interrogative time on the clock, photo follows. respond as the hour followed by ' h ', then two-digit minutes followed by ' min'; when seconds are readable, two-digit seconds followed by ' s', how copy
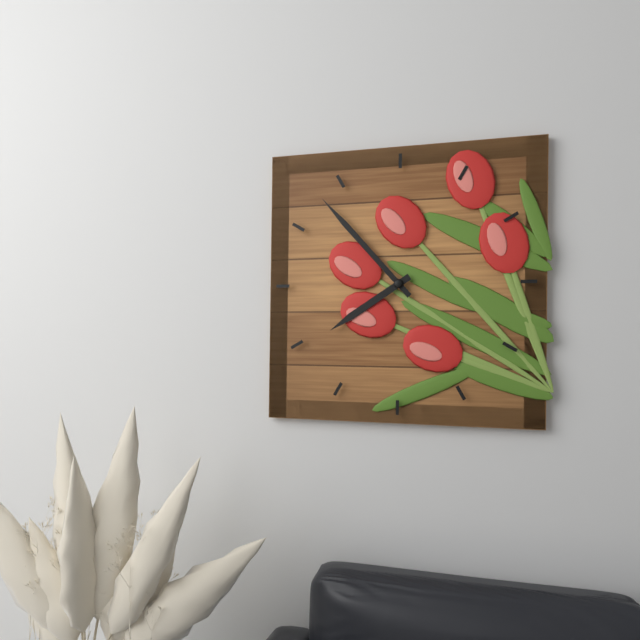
7 h 53 min
